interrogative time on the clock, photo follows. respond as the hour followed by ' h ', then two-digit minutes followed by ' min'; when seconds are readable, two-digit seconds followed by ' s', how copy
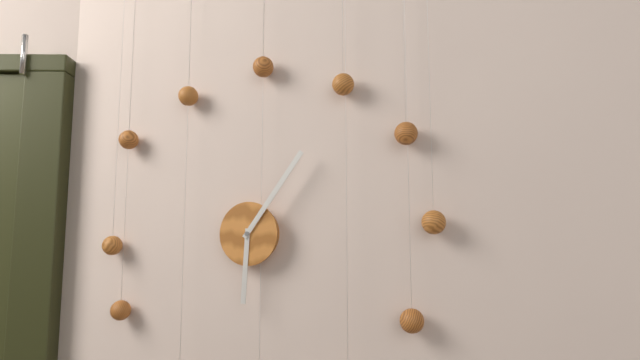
6 h 06 min
